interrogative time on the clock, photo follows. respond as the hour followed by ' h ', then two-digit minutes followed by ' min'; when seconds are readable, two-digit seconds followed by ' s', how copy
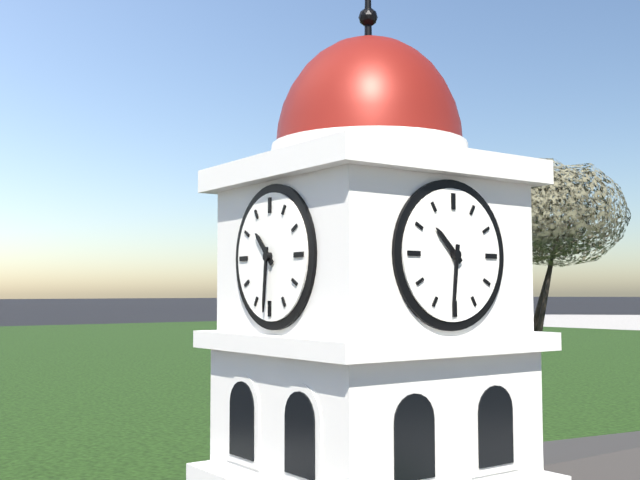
10 h 31 min
